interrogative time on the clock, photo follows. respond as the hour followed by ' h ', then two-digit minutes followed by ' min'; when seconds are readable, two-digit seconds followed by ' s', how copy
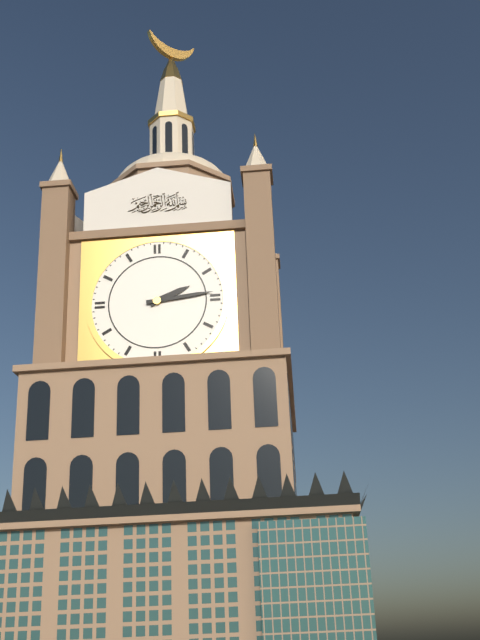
2 h 14 min
